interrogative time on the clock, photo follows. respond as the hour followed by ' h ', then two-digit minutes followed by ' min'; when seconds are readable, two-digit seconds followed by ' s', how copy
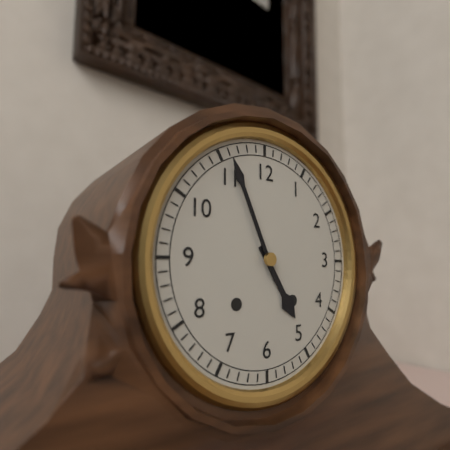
4 h 56 min
